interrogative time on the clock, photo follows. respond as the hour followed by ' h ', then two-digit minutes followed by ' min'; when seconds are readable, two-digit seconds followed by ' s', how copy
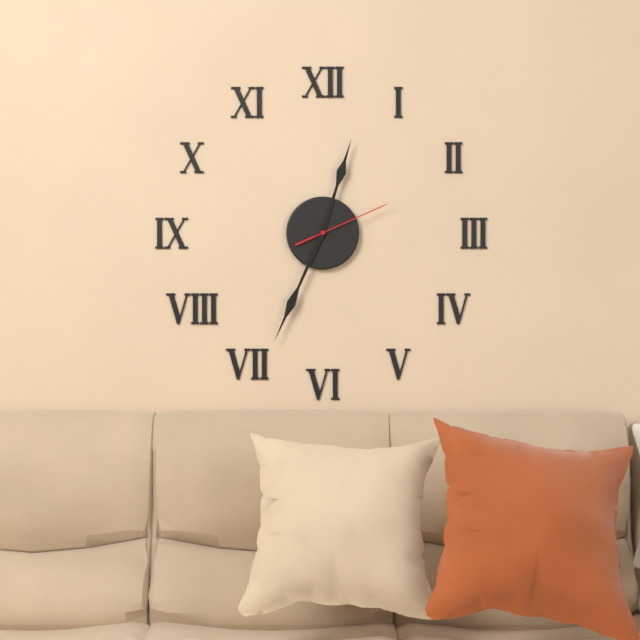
12 h 34 min 11 s
